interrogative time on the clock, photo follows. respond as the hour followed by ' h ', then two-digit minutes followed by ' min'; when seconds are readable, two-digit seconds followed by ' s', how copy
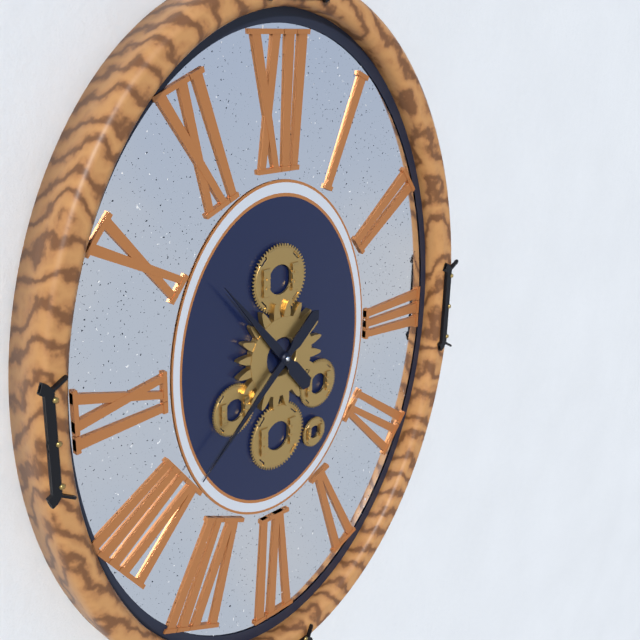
10 h 38 min
